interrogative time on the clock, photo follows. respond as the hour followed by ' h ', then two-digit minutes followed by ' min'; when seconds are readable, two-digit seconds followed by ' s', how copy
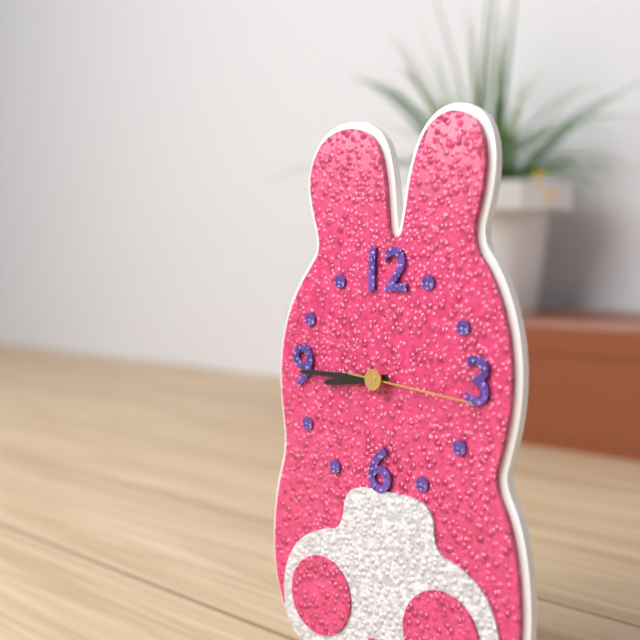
8 h 45 min 16 s
